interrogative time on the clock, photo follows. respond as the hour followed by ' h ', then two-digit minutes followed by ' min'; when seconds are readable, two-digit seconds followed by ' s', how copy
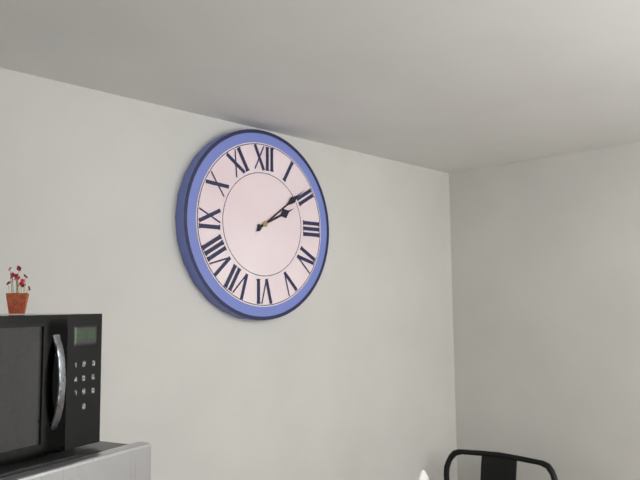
2 h 09 min
